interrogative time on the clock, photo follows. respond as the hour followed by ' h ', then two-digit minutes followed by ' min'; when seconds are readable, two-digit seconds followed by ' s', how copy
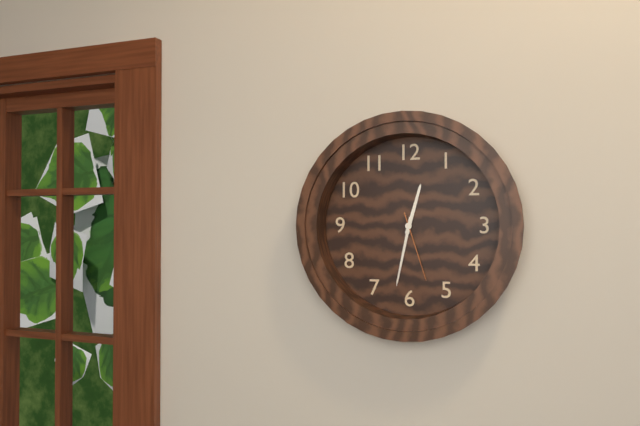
12 h 32 min 27 s
